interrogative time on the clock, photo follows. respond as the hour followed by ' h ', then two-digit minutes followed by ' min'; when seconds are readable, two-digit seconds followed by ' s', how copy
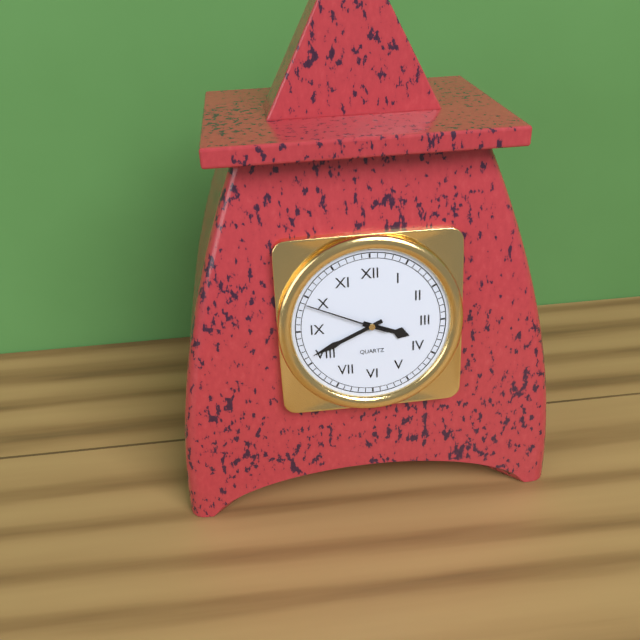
3 h 41 min 49 s
